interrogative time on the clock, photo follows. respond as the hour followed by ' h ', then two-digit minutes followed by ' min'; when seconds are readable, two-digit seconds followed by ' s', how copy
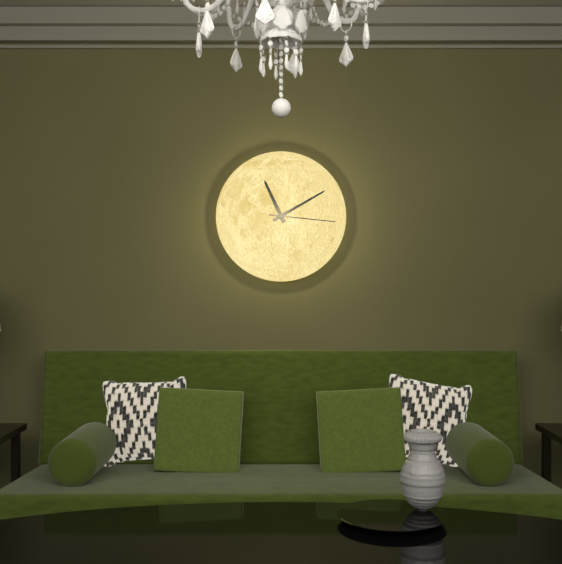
11 h 10 min 16 s
